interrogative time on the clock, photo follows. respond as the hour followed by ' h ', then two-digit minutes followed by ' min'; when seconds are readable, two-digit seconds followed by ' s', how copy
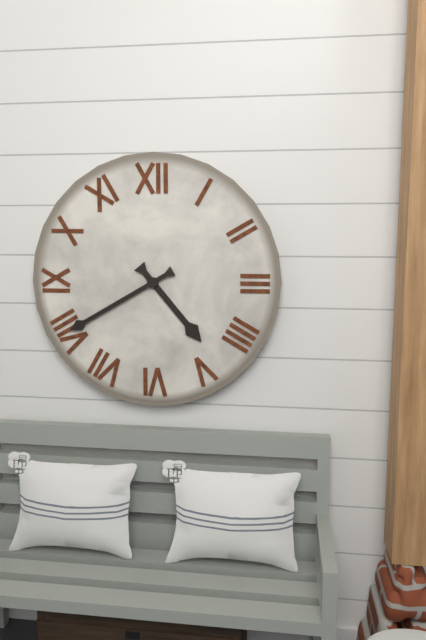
4 h 40 min
